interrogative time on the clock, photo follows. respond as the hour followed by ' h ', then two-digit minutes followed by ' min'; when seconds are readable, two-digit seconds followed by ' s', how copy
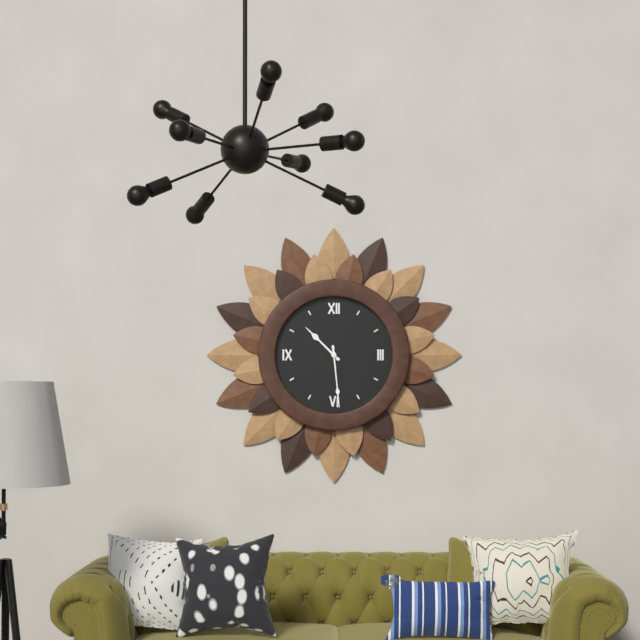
10 h 29 min
